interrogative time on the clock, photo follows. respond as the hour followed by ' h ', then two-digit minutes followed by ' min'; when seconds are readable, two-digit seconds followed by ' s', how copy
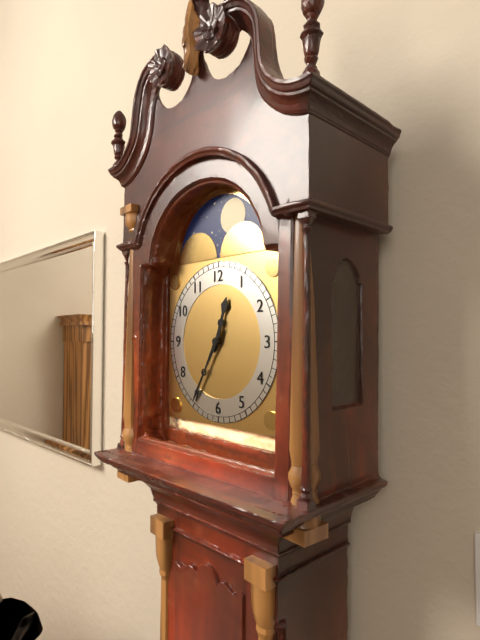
12 h 35 min
